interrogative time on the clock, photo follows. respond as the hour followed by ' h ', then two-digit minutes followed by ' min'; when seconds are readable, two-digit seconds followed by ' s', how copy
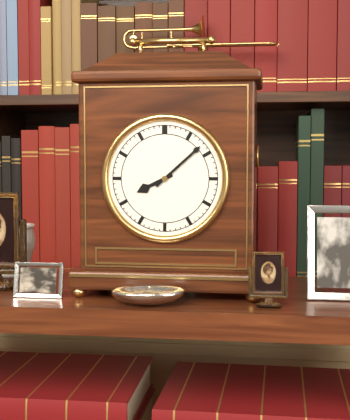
8 h 08 min
